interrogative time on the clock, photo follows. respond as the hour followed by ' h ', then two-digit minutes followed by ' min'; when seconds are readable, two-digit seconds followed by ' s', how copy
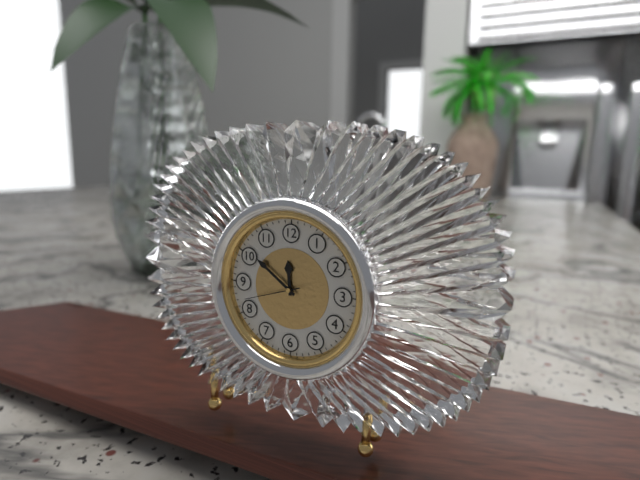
11 h 51 min 42 s
